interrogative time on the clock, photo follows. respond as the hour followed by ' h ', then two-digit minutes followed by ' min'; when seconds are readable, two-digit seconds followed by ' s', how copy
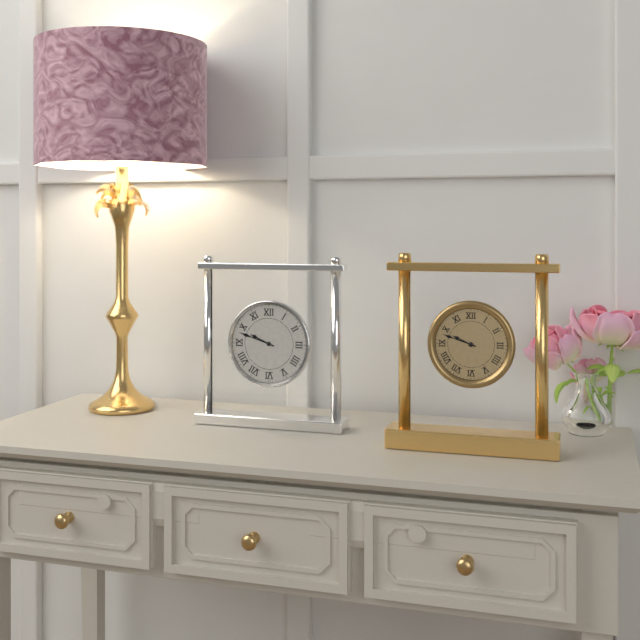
9 h 48 min
